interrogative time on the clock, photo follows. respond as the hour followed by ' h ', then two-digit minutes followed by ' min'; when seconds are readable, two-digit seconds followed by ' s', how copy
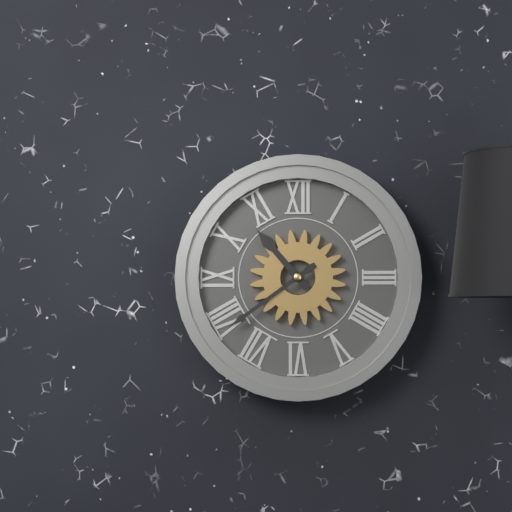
10 h 39 min
